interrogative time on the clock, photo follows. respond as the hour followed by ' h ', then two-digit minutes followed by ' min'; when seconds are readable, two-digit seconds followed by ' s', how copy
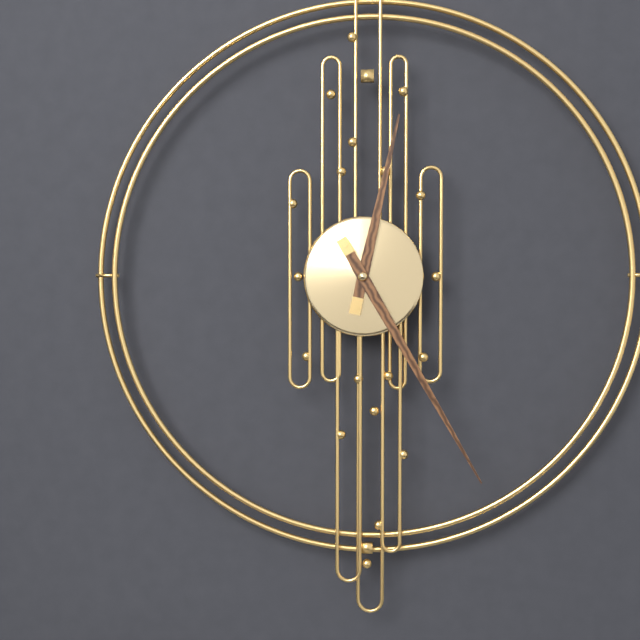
12 h 25 min
